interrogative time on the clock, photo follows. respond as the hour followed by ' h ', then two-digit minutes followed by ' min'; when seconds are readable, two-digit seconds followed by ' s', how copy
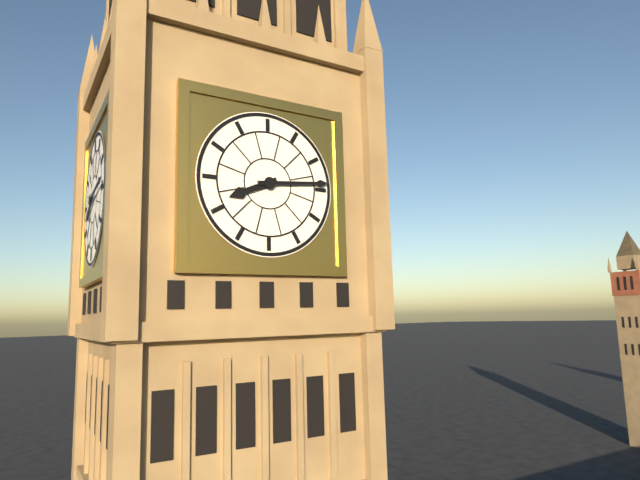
8 h 14 min
